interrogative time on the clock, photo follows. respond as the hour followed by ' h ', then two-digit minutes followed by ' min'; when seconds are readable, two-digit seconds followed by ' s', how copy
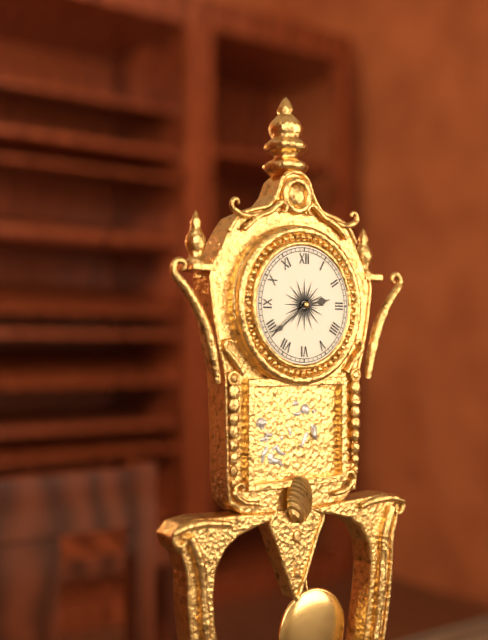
2 h 39 min
